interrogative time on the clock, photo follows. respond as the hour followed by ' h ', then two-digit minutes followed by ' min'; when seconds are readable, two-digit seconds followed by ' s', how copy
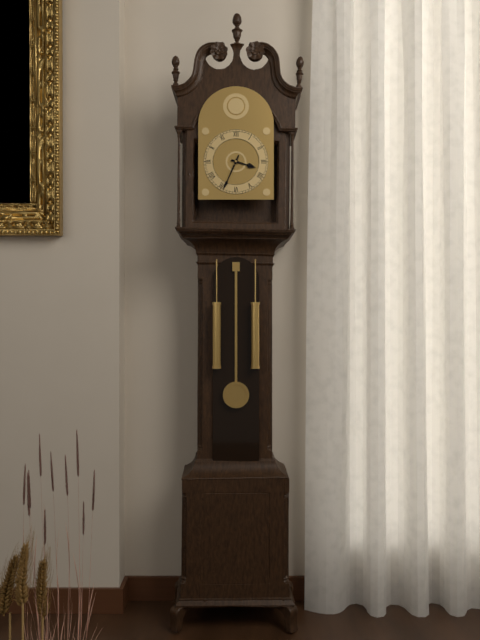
3 h 34 min
